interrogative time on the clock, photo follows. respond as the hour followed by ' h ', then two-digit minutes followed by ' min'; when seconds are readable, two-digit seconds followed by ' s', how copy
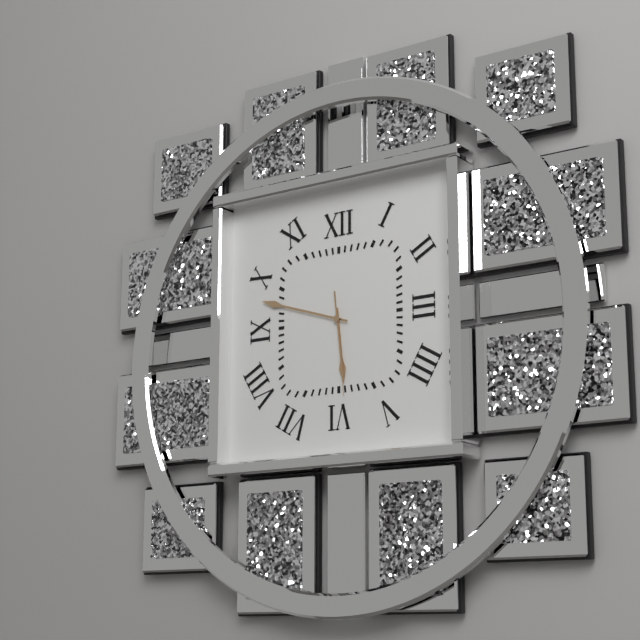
5 h 48 min 29 s
